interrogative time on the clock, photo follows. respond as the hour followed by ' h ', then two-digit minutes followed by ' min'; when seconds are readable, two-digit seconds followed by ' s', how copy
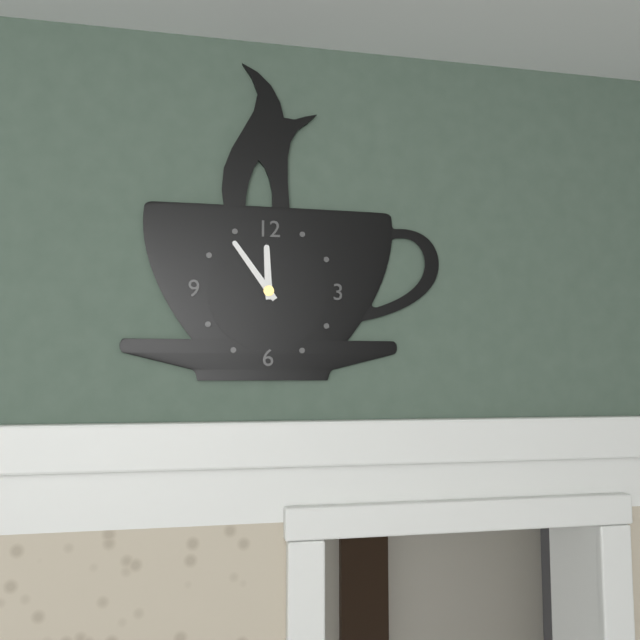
11 h 54 min
